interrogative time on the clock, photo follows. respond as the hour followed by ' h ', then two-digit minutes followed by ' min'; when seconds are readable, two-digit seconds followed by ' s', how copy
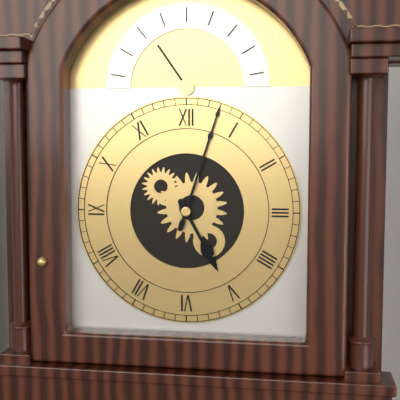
5 h 03 min
